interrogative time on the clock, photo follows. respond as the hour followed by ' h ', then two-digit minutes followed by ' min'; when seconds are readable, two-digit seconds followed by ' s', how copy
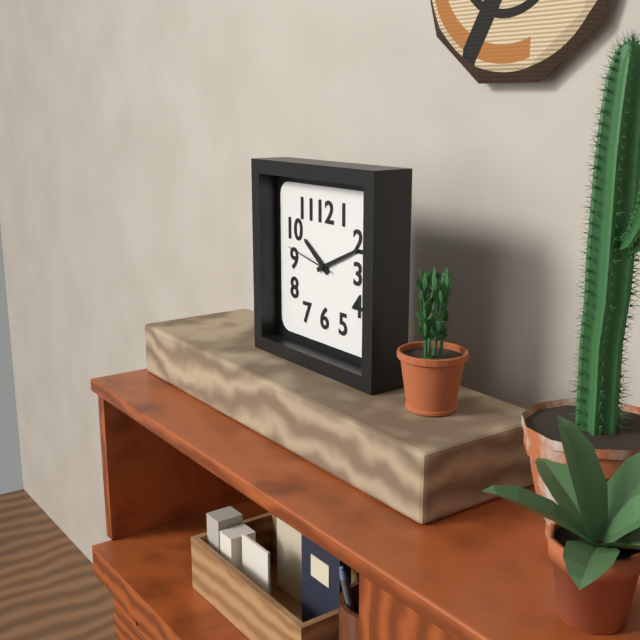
10 h 11 min 47 s
